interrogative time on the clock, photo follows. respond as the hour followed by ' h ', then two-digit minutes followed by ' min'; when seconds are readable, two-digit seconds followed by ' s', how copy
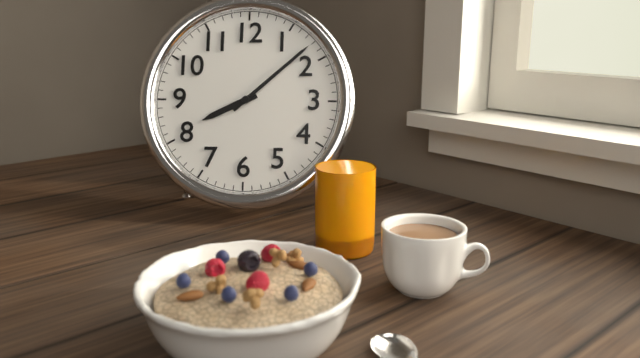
8 h 08 min
